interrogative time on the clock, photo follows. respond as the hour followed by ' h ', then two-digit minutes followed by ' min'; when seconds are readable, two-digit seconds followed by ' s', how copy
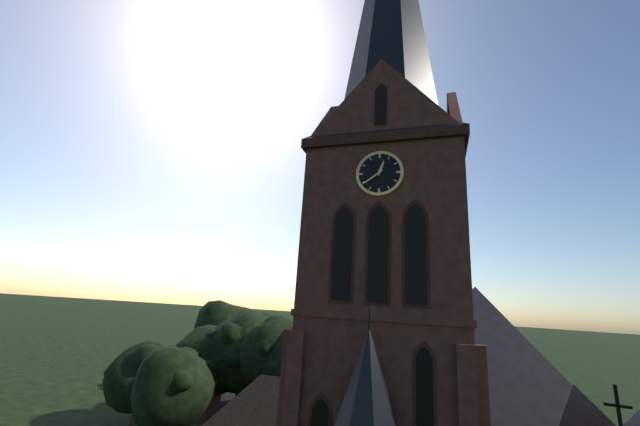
12 h 39 min
